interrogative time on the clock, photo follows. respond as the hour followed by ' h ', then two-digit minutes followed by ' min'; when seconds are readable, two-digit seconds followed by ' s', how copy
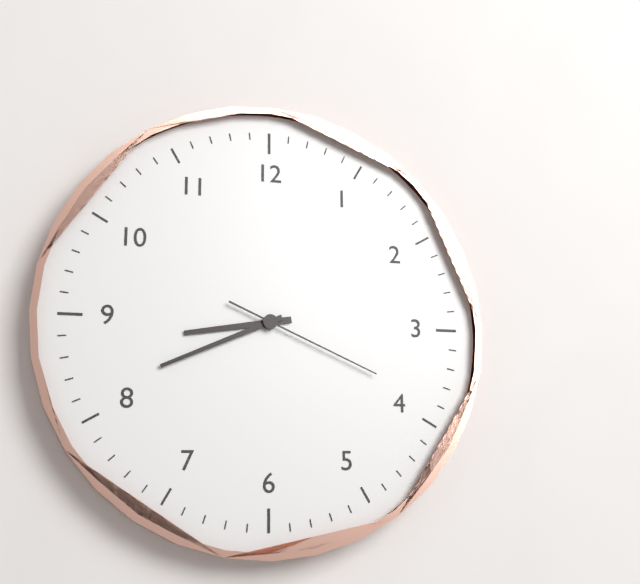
8 h 41 min 19 s
